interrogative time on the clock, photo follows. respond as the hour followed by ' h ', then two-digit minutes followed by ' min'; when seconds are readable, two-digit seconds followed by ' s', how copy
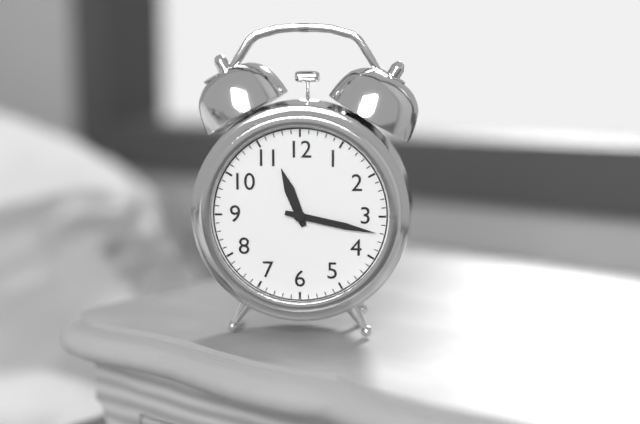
11 h 17 min
